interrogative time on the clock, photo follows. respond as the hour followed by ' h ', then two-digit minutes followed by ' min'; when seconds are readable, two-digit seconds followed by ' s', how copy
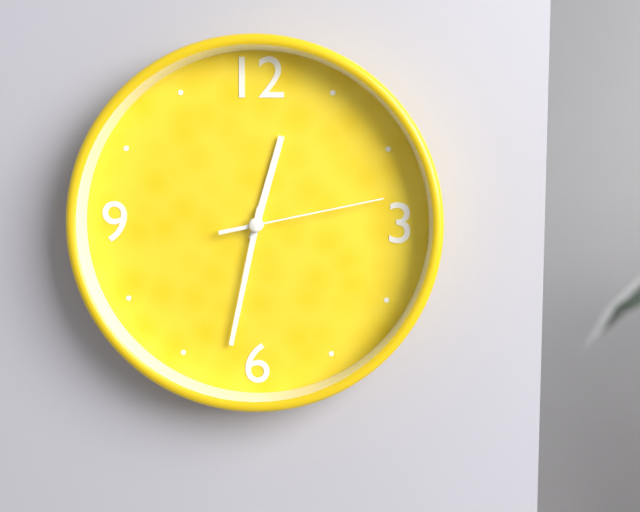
12 h 32 min 13 s
